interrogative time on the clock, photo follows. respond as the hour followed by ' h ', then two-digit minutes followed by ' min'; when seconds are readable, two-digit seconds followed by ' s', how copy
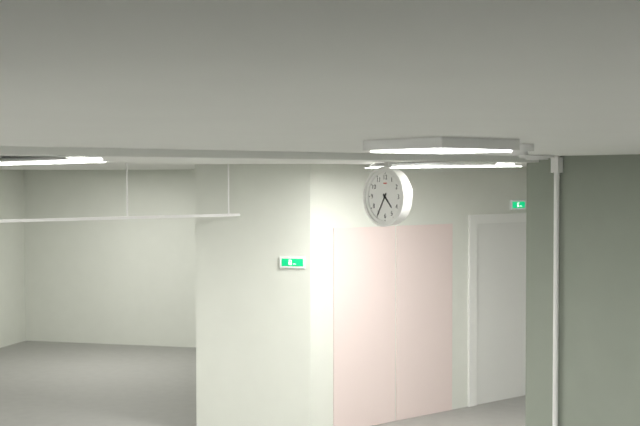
4 h 35 min
